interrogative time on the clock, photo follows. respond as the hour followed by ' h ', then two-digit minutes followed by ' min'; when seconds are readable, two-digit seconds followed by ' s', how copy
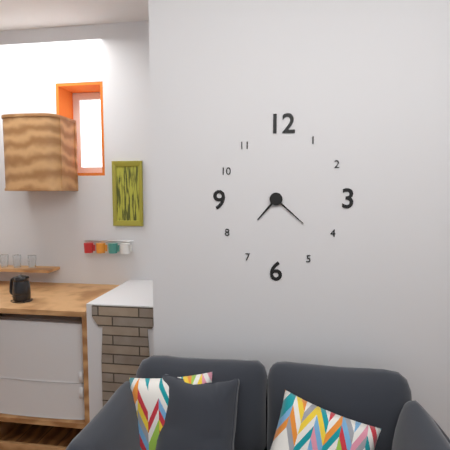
7 h 22 min
